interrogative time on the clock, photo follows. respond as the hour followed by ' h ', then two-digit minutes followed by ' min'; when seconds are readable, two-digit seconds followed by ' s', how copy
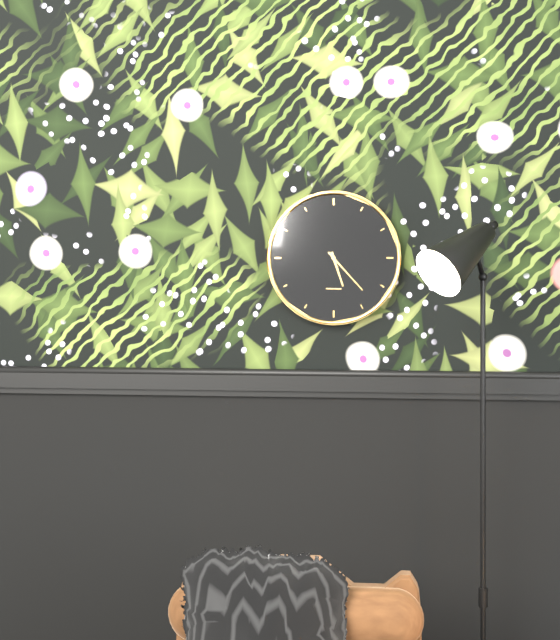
5 h 23 min
